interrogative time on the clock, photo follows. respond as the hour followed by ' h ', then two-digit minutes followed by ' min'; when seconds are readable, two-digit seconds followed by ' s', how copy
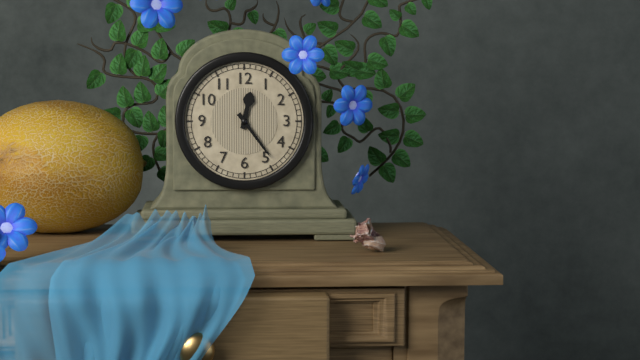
12 h 24 min
